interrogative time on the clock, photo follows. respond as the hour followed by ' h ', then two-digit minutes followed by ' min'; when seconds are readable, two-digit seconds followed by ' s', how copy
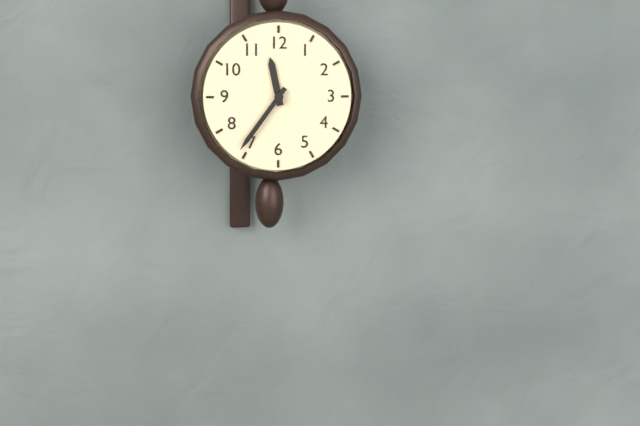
11 h 36 min
